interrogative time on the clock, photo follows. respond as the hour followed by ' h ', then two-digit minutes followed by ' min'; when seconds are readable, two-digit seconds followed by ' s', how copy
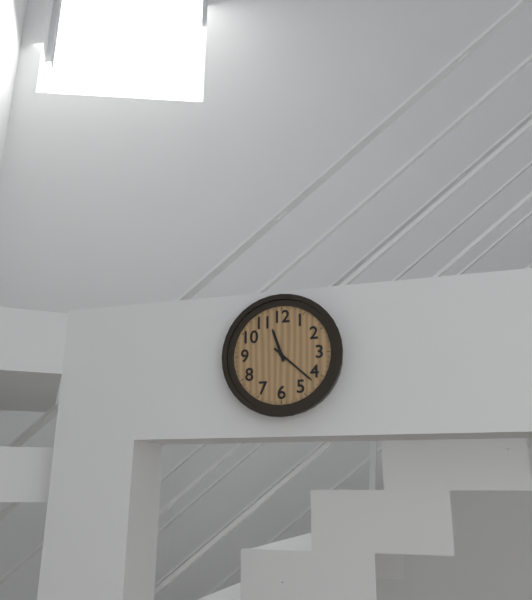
11 h 22 min
